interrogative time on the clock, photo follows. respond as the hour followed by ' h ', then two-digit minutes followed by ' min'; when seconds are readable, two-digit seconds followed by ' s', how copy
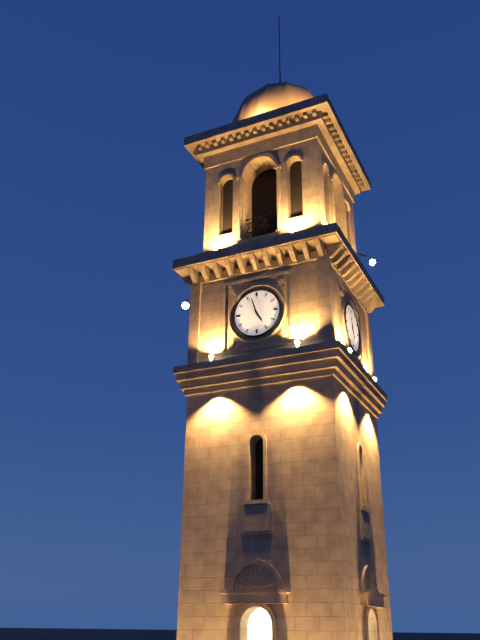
4 h 57 min
